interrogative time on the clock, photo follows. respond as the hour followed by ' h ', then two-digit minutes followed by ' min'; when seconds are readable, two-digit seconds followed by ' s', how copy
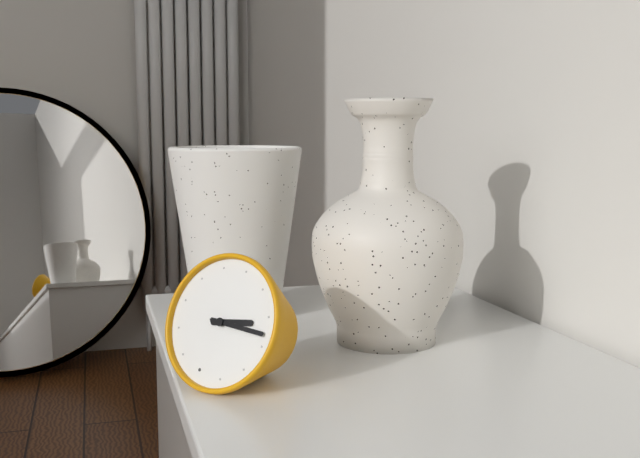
2 h 13 min
